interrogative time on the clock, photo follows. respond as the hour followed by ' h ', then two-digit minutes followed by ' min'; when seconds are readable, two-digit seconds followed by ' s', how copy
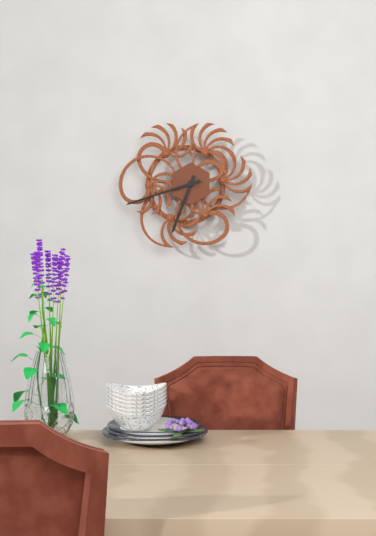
6 h 42 min
